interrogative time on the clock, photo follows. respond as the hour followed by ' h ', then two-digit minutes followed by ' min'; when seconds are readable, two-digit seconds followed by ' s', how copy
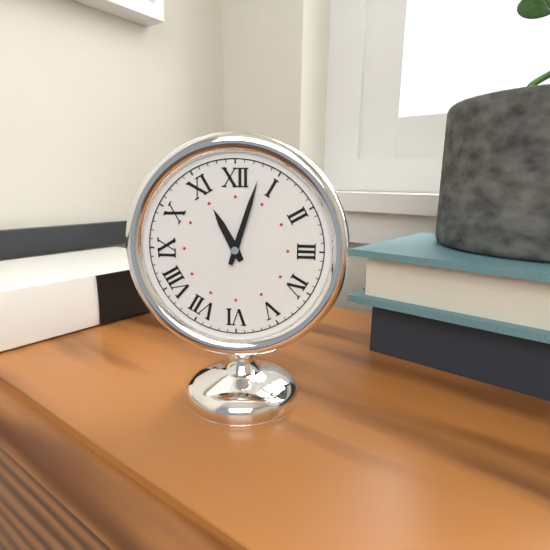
11 h 03 min
